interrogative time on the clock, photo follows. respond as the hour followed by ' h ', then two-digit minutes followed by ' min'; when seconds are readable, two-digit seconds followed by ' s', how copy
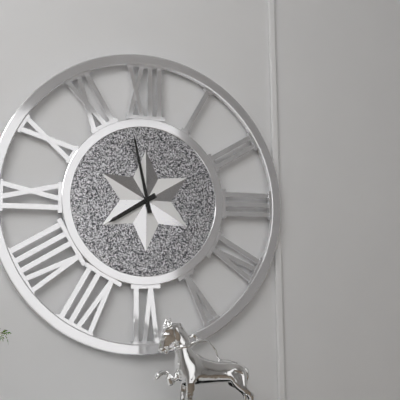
7 h 58 min
